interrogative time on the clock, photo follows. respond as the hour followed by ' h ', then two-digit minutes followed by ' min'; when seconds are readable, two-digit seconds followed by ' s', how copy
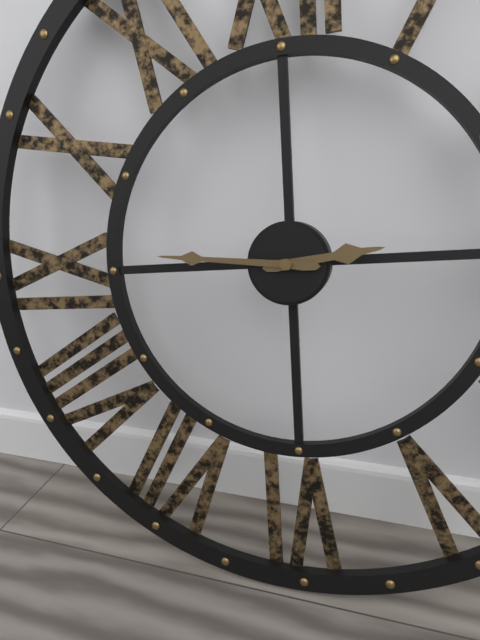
2 h 46 min
